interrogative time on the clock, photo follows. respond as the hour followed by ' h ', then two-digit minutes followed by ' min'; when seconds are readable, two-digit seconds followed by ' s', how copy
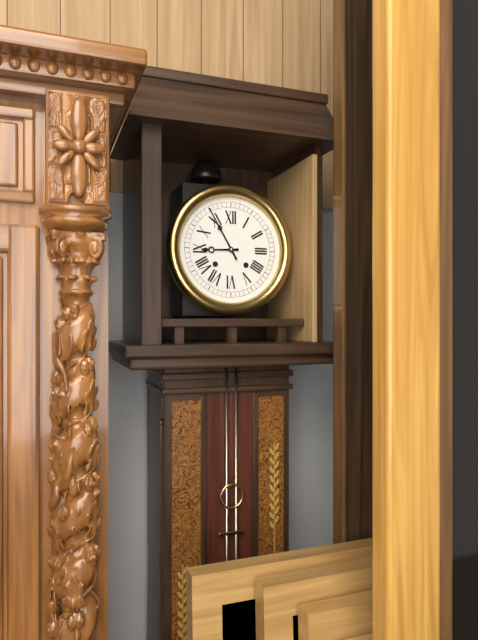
8 h 55 min
